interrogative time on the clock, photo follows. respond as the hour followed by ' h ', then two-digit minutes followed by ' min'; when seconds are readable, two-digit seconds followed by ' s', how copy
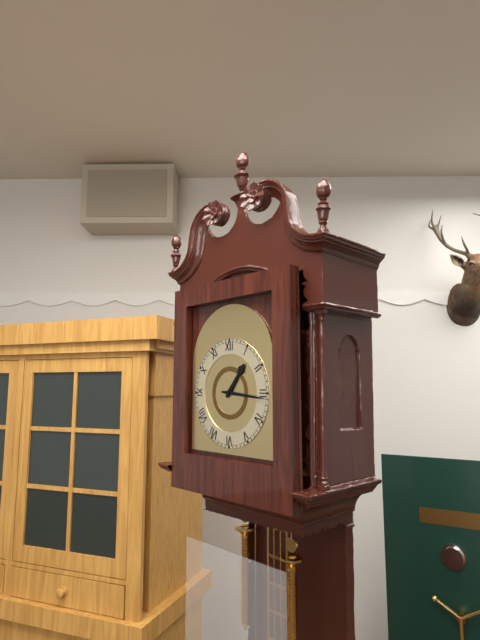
1 h 16 min
